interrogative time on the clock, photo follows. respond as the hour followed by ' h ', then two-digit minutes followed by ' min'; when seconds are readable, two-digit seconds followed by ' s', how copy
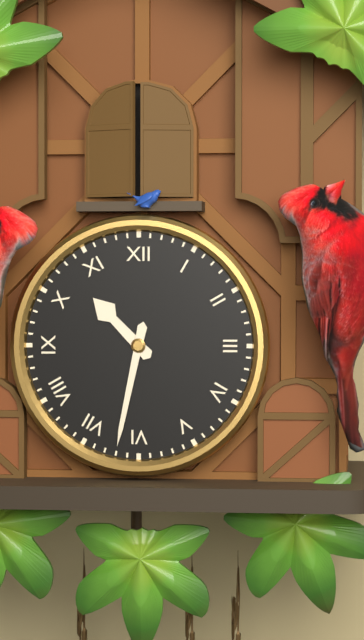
10 h 32 min
